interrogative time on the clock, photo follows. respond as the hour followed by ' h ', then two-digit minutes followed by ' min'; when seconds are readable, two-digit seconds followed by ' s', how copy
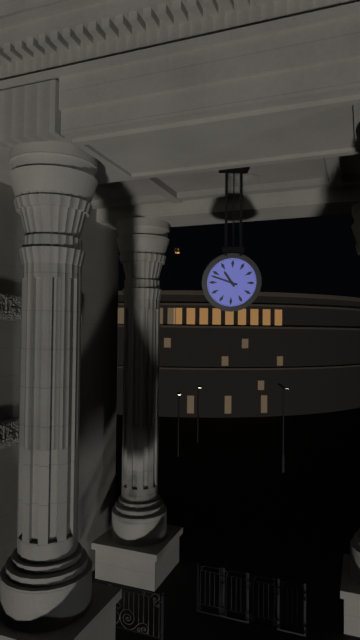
10 h 48 min
